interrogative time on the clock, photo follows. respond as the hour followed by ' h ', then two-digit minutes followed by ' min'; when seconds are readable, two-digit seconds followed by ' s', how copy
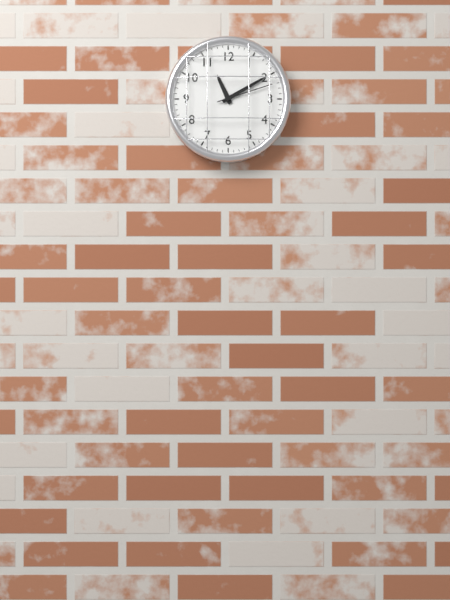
11 h 10 min 12 s
